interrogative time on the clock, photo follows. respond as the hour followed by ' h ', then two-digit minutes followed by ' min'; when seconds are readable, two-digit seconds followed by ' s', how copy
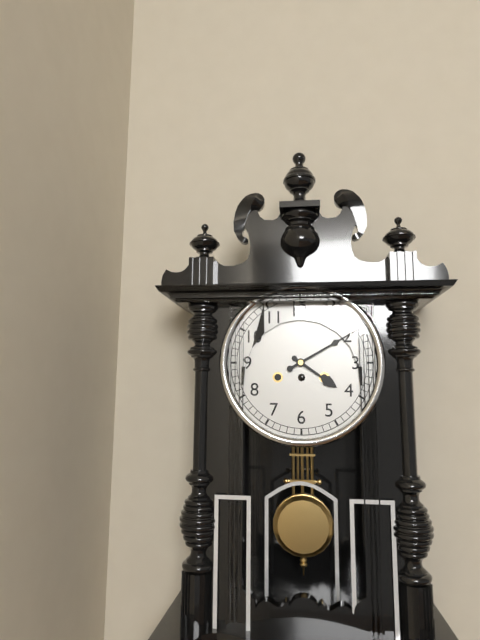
4 h 10 min
